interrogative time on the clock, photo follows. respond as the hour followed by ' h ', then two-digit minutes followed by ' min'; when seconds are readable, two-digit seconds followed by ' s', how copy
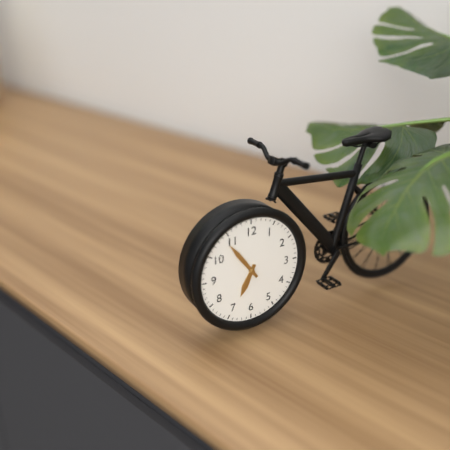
6 h 54 min
